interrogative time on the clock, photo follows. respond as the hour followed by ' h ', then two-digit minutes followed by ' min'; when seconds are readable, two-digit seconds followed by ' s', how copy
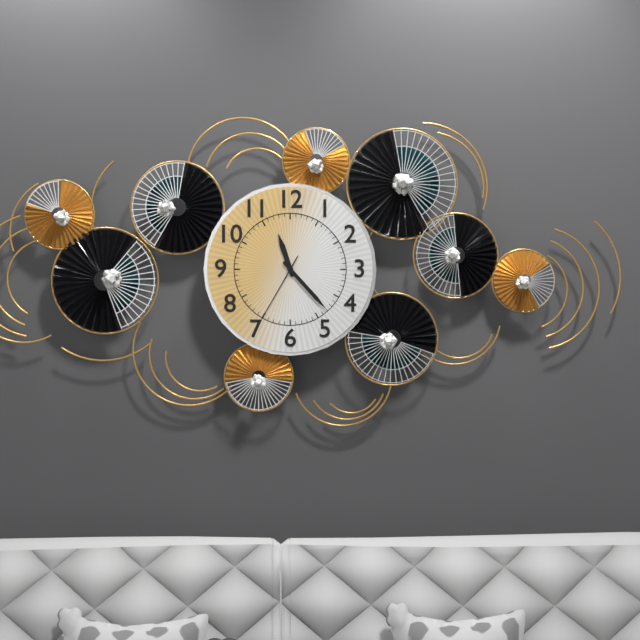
11 h 23 min 35 s
